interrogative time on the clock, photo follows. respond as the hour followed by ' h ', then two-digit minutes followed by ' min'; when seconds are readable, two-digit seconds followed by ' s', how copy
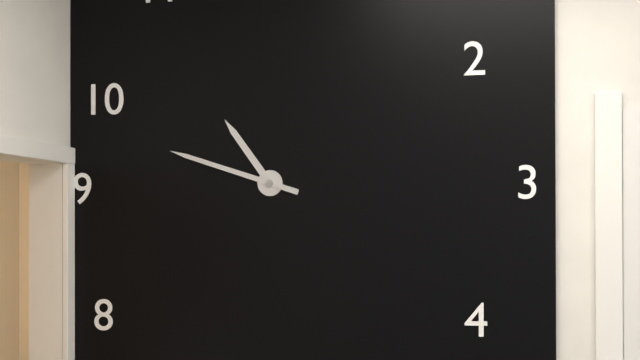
10 h 48 min
